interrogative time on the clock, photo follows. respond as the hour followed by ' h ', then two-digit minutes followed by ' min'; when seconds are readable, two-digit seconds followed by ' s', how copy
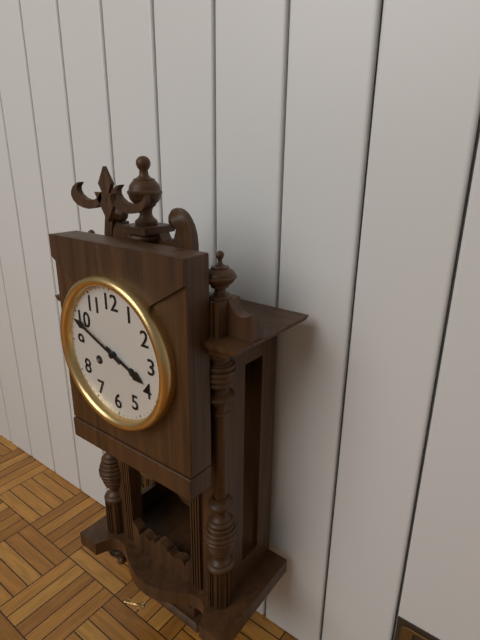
3 h 49 min
